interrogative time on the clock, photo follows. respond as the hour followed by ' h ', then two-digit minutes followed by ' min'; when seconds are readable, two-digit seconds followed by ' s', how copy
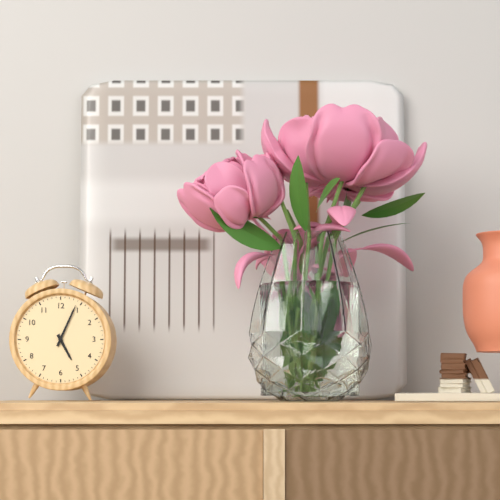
5 h 04 min
